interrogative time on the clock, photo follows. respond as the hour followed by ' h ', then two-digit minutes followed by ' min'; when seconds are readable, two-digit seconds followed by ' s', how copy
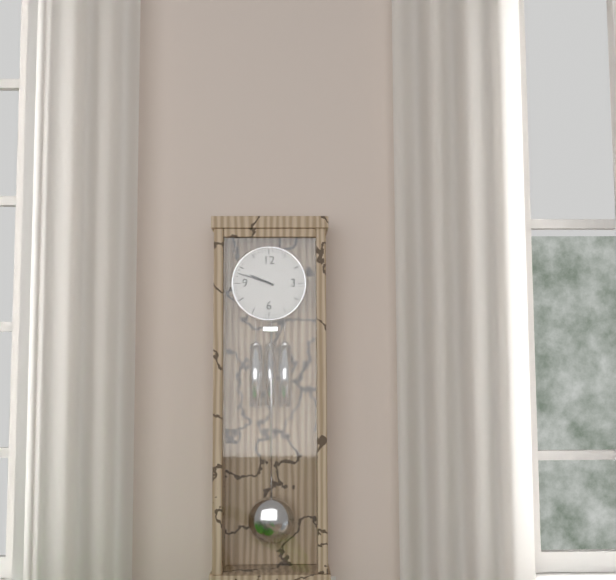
9 h 48 min
